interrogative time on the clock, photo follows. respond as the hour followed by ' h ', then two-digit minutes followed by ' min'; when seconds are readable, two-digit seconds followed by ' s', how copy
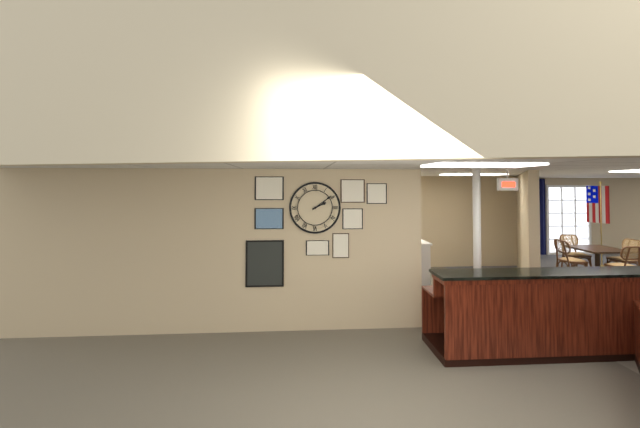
2 h 09 min
